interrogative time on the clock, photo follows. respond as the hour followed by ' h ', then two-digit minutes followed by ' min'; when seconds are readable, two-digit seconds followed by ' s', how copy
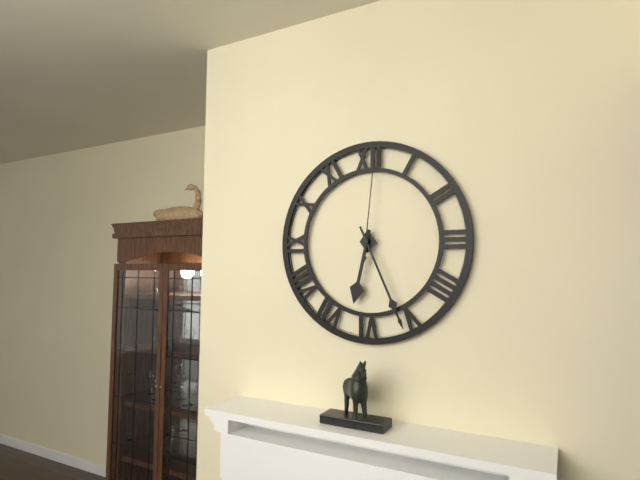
6 h 26 min 01 s
